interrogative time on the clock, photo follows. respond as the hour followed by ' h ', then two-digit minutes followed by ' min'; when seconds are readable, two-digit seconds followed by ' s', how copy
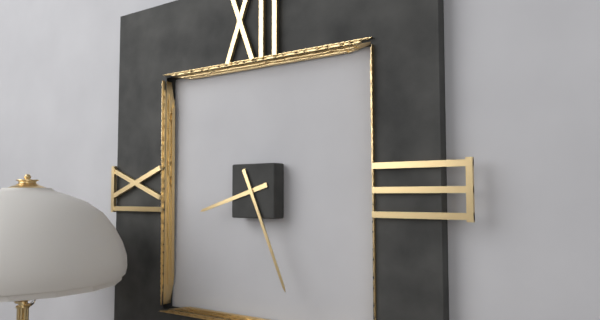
8 h 26 min
